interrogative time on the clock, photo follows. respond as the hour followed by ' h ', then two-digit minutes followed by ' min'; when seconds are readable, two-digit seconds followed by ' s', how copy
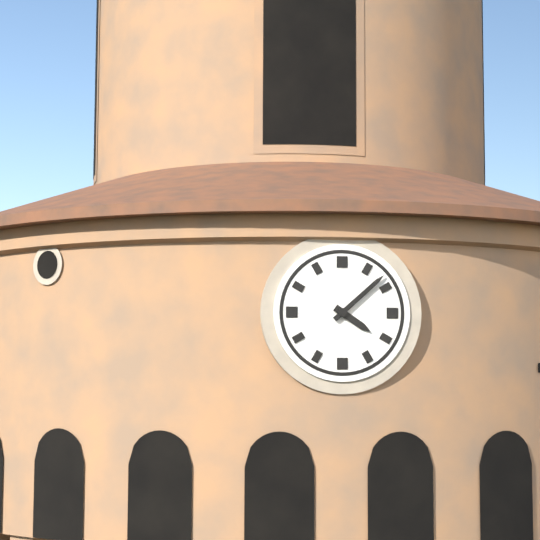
4 h 08 min
